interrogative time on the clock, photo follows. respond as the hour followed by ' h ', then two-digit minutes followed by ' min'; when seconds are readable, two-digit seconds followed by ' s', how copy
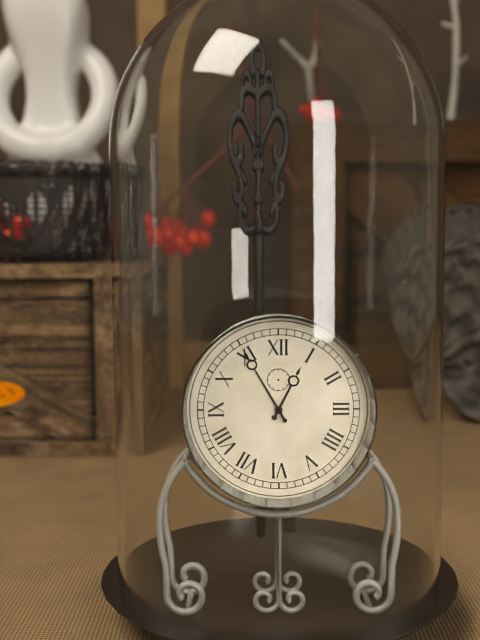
12 h 55 min
